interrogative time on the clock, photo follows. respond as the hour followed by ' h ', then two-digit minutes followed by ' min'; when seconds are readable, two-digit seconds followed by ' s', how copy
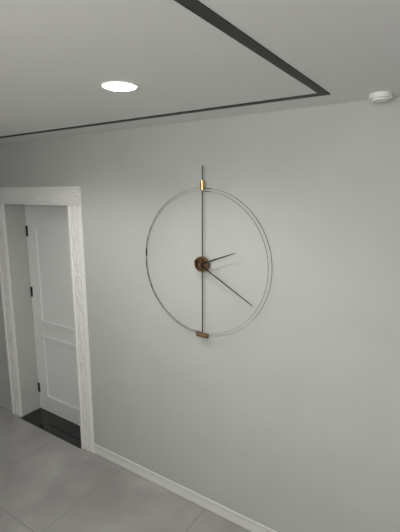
2 h 20 min
